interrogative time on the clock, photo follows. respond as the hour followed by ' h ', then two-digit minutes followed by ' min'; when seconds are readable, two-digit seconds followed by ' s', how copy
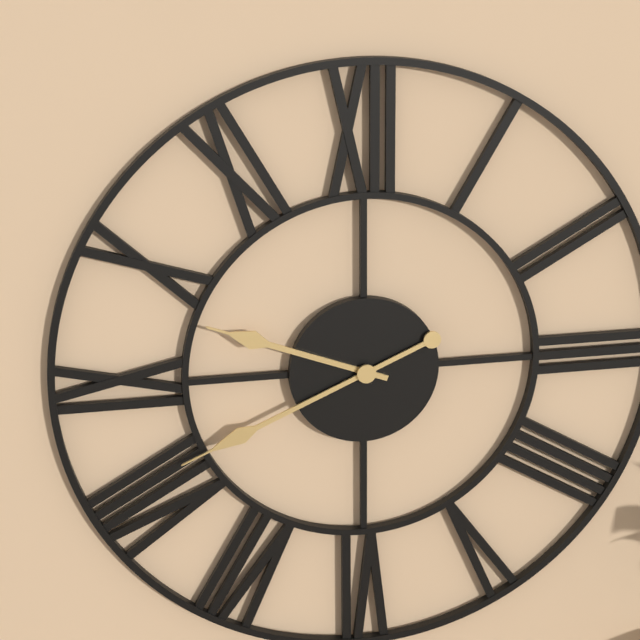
9 h 41 min
